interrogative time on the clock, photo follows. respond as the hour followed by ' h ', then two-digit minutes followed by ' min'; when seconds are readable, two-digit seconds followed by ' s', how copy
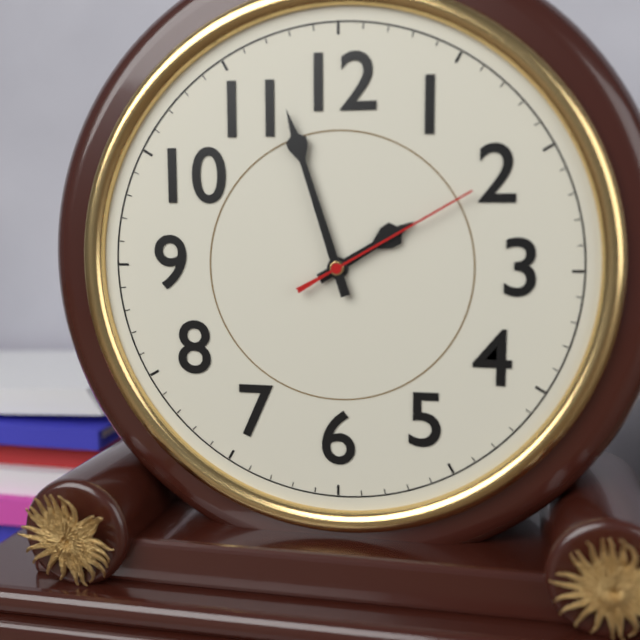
1 h 57 min 10 s
